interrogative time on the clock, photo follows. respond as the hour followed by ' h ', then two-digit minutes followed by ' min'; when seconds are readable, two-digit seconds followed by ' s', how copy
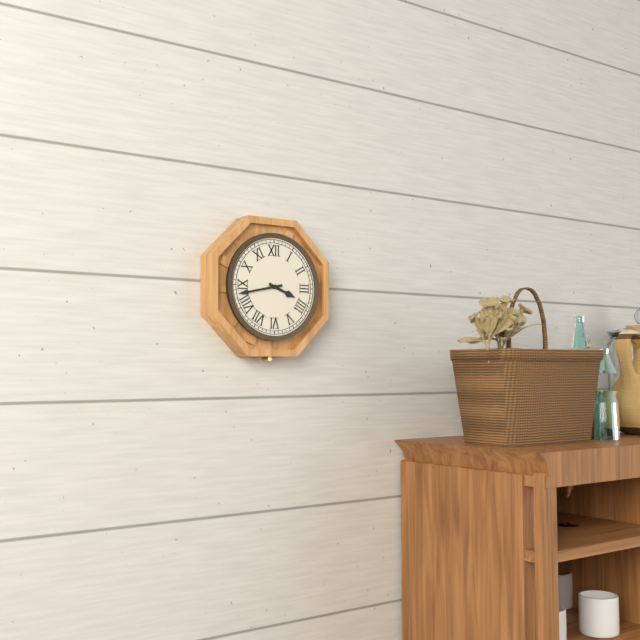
3 h 43 min
